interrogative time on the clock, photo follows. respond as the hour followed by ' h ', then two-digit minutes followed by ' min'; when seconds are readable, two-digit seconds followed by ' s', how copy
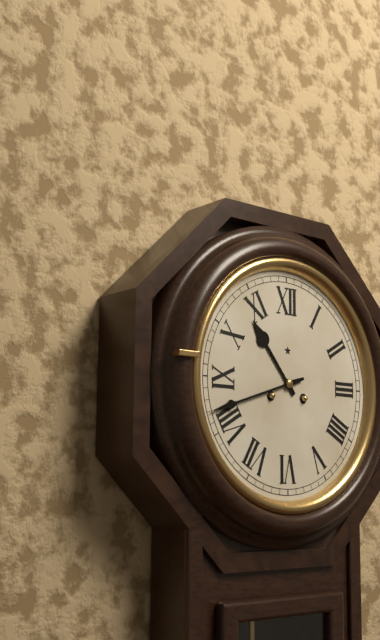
10 h 42 min
